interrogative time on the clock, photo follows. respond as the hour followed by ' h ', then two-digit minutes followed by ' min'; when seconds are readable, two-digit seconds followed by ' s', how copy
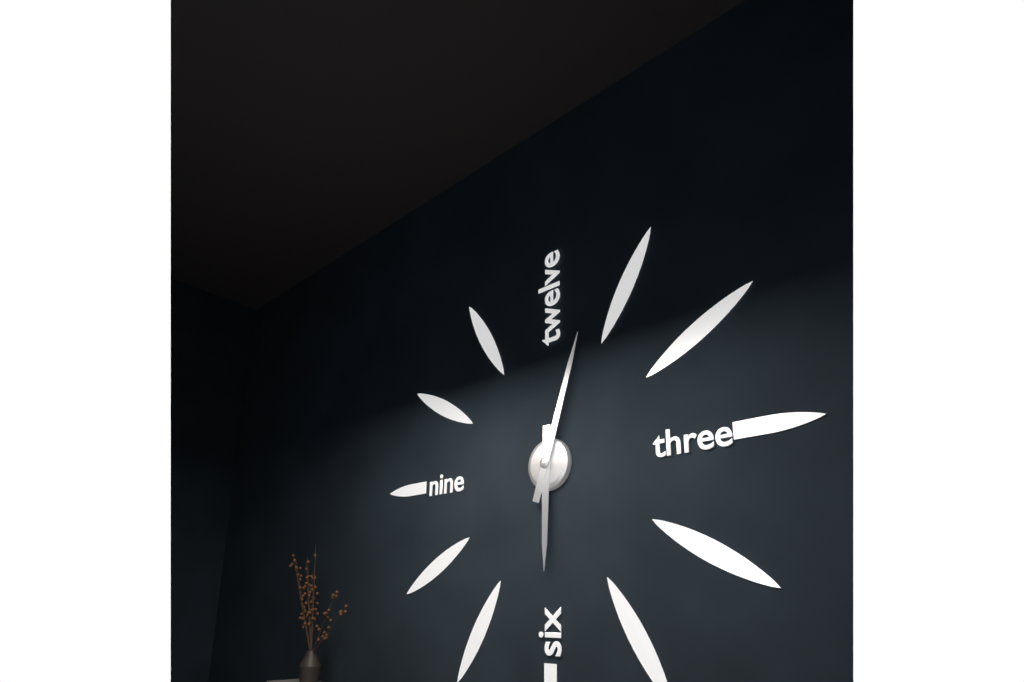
6 h 03 min
